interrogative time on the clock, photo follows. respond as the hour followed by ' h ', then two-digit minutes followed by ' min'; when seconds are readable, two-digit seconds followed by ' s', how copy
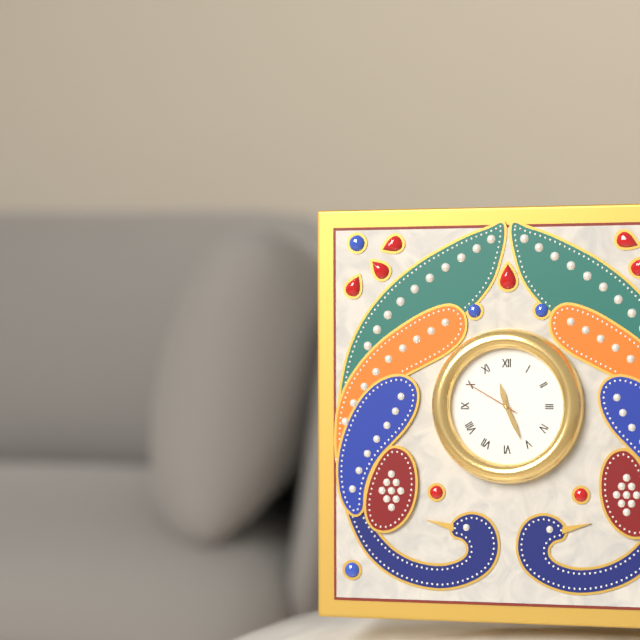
11 h 26 min 50 s
